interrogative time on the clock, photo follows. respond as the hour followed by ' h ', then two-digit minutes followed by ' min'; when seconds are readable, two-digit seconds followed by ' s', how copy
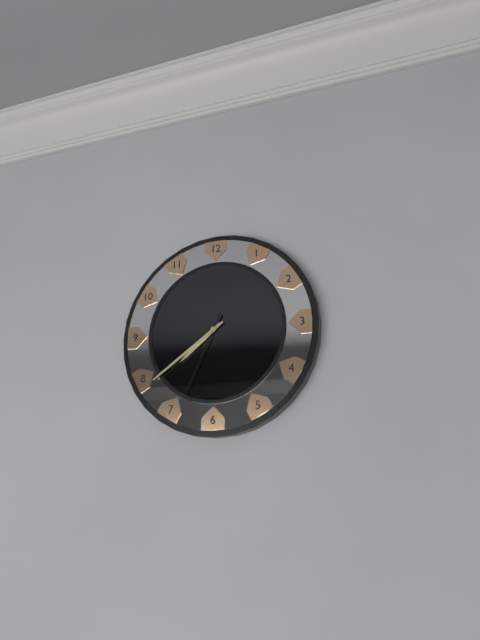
7 h 39 min 34 s
